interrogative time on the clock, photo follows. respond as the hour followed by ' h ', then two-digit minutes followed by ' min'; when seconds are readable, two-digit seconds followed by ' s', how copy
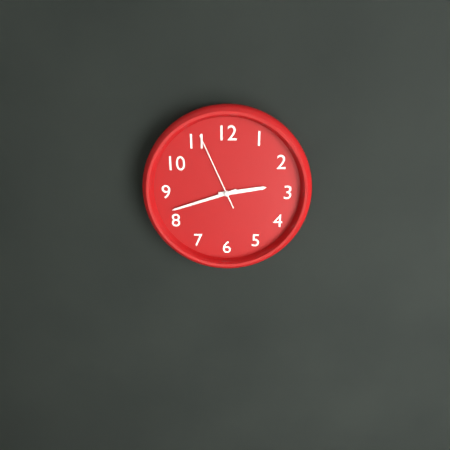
2 h 42 min 56 s
